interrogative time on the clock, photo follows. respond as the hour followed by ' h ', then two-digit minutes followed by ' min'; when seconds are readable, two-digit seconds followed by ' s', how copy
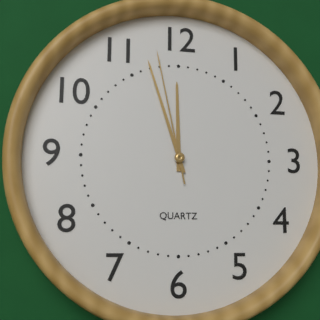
11 h 57 min 58 s
